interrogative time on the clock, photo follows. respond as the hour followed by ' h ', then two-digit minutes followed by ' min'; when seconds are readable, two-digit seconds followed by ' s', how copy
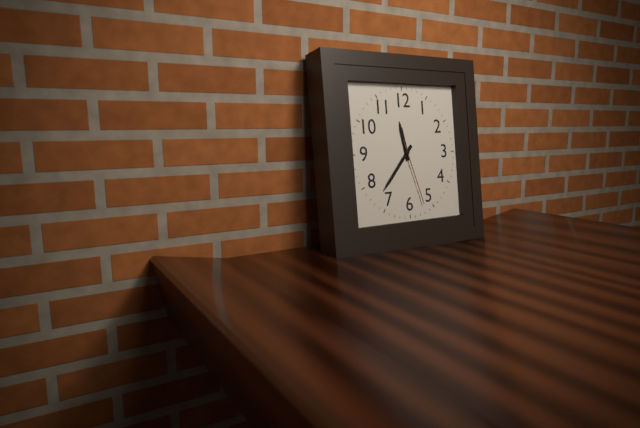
11 h 37 min 27 s
